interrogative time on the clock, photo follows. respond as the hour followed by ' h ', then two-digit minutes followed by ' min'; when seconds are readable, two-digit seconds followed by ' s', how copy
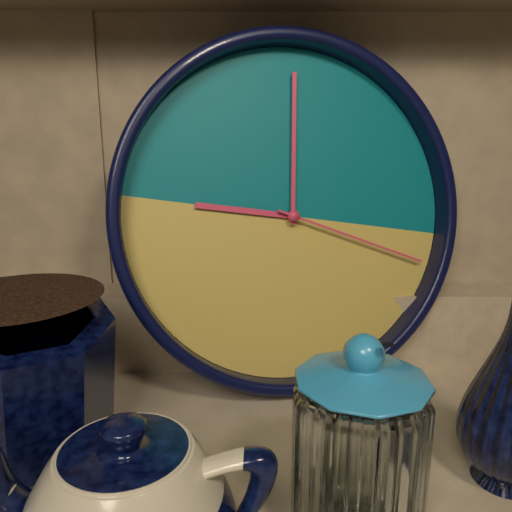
8 h 59 min 17 s
